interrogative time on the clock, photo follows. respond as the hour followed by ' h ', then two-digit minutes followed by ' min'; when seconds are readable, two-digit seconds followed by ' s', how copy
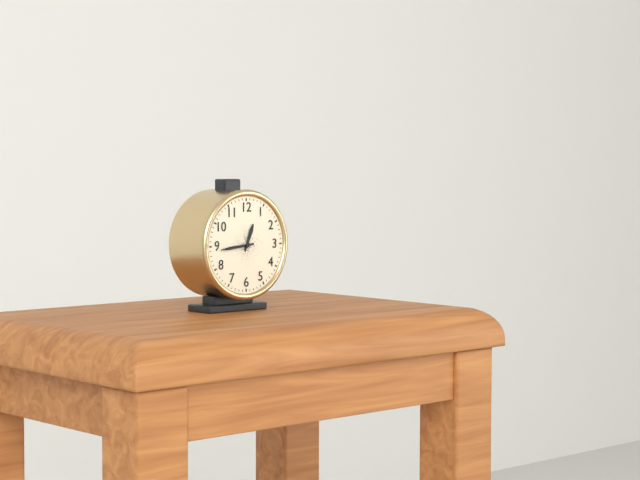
12 h 44 min
